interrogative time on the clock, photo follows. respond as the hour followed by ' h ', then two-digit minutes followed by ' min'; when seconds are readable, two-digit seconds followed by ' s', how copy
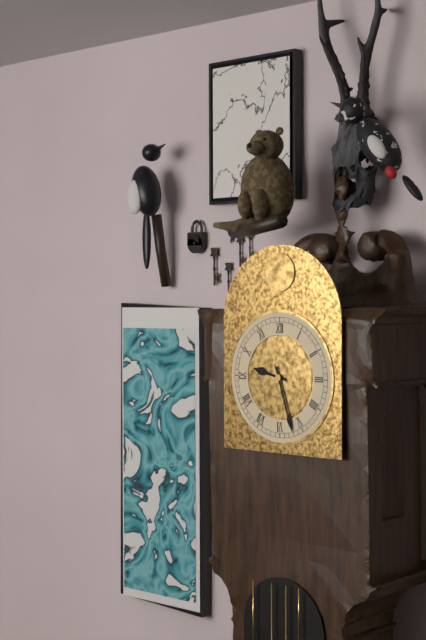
9 h 27 min
